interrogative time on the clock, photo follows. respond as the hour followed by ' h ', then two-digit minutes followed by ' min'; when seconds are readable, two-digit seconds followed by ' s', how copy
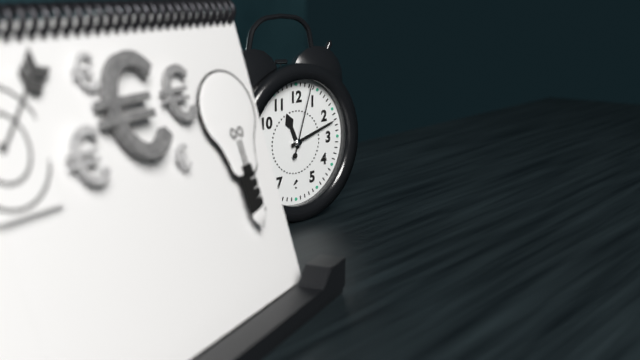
11 h 12 min 03 s
